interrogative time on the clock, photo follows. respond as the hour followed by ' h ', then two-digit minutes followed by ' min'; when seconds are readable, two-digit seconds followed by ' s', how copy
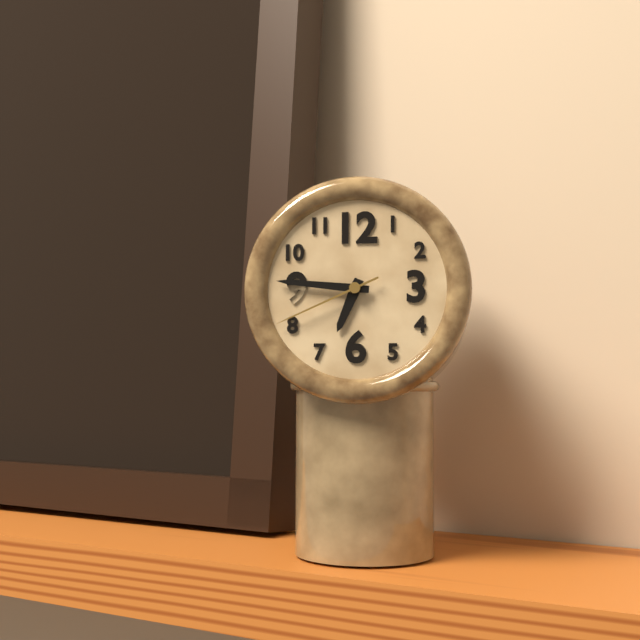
6 h 46 min 41 s
